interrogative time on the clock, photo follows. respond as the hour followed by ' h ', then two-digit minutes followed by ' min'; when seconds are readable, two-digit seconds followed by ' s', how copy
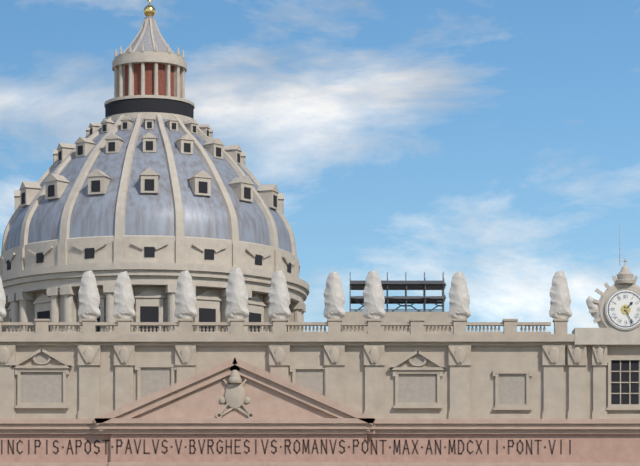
1 h 26 min
